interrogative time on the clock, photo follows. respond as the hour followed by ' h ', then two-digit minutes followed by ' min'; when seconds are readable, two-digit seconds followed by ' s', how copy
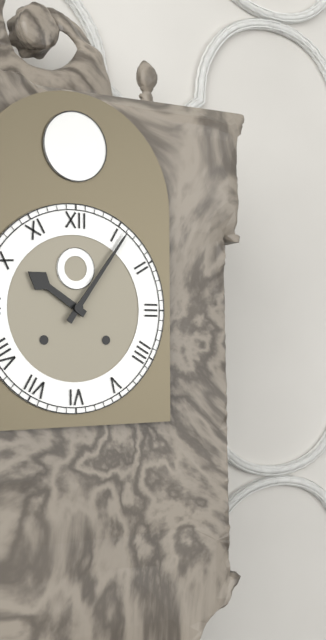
10 h 06 min
